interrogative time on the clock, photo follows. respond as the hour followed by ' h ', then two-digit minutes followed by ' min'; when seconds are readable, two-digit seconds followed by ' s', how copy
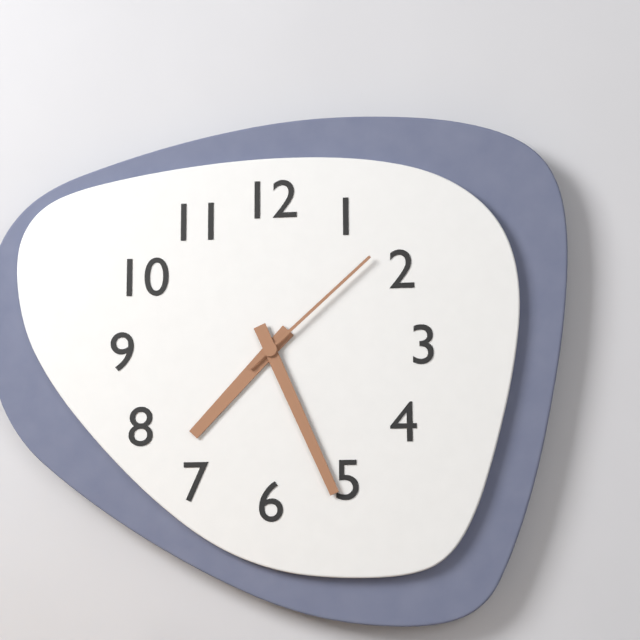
7 h 26 min 08 s
